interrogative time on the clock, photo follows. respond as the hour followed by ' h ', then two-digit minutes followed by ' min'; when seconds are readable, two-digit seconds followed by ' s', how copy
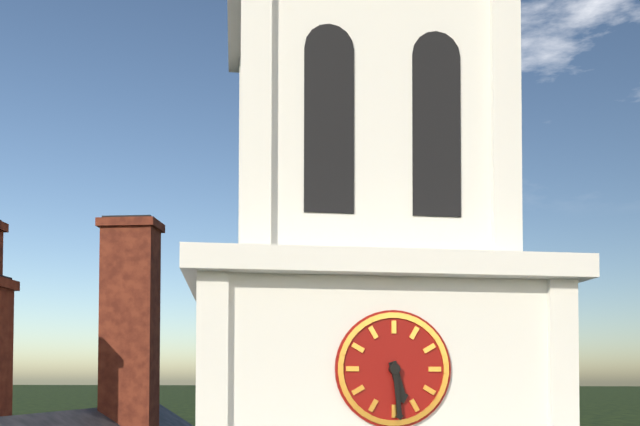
5 h 29 min
